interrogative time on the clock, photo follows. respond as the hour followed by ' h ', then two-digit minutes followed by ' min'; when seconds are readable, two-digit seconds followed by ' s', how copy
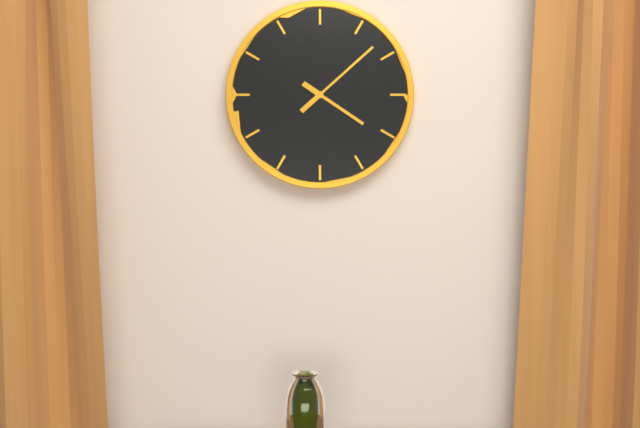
4 h 08 min
